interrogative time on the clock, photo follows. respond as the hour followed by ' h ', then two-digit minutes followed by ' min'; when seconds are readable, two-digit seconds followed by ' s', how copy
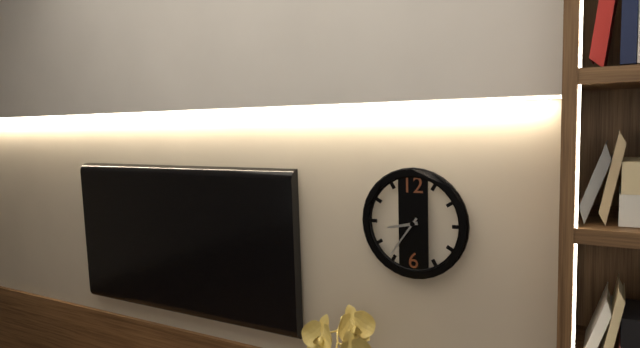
8 h 36 min
